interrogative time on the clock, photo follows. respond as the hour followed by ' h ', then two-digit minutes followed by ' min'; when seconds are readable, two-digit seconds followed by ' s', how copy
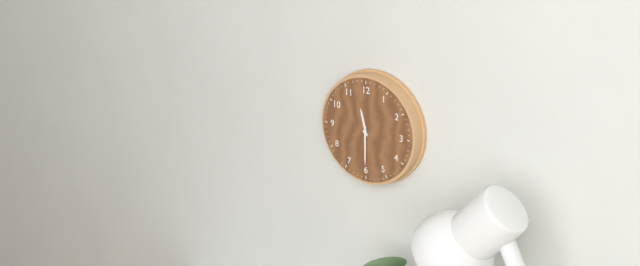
11 h 30 min
